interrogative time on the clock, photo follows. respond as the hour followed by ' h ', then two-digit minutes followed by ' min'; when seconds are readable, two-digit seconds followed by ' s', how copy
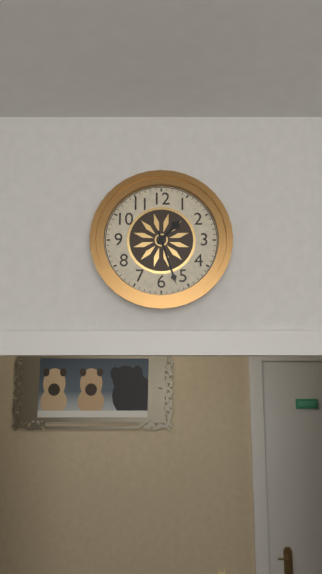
1 h 27 min
